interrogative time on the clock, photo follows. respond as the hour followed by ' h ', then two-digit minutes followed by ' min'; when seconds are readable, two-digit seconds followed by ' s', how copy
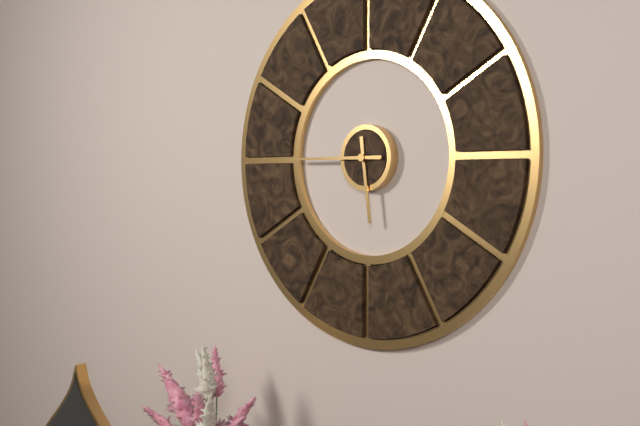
5 h 45 min
